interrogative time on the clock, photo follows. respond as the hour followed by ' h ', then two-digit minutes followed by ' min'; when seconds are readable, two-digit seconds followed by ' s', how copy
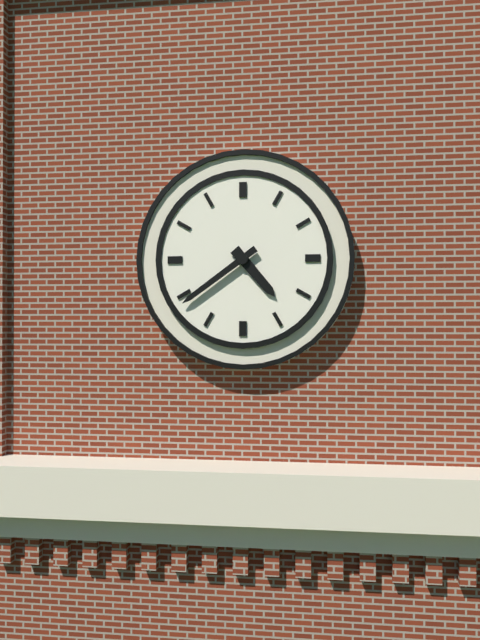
4 h 39 min
